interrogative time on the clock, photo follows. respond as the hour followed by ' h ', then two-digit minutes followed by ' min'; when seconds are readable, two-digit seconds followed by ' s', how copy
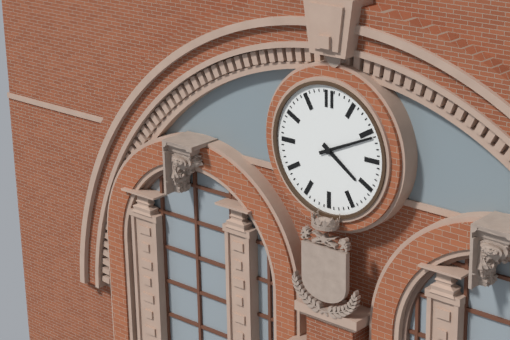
4 h 11 min
